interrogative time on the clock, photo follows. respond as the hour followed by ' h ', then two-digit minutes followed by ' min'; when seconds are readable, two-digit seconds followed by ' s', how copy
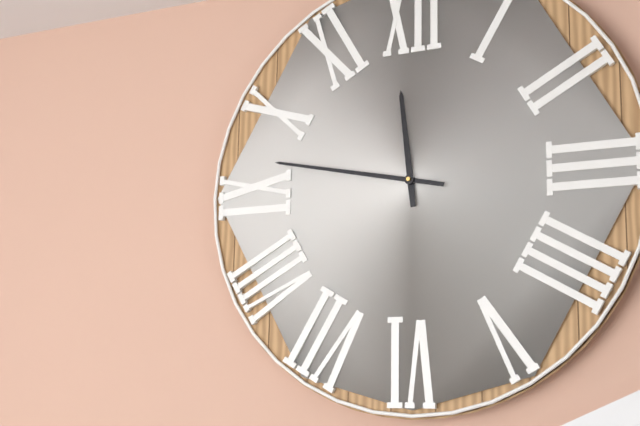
11 h 47 min
